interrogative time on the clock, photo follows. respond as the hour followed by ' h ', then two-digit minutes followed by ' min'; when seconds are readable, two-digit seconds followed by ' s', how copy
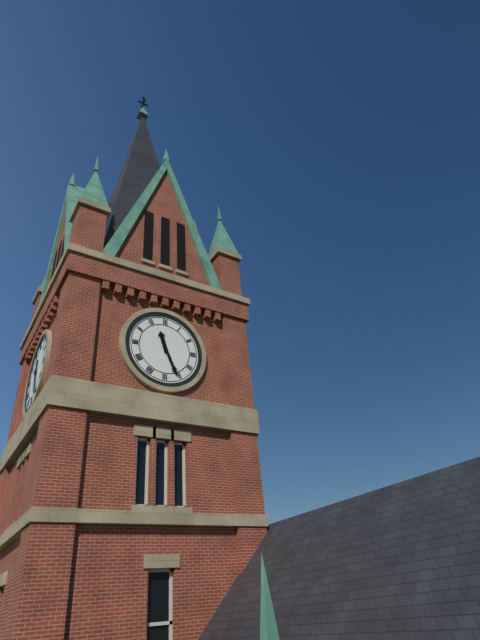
11 h 26 min
